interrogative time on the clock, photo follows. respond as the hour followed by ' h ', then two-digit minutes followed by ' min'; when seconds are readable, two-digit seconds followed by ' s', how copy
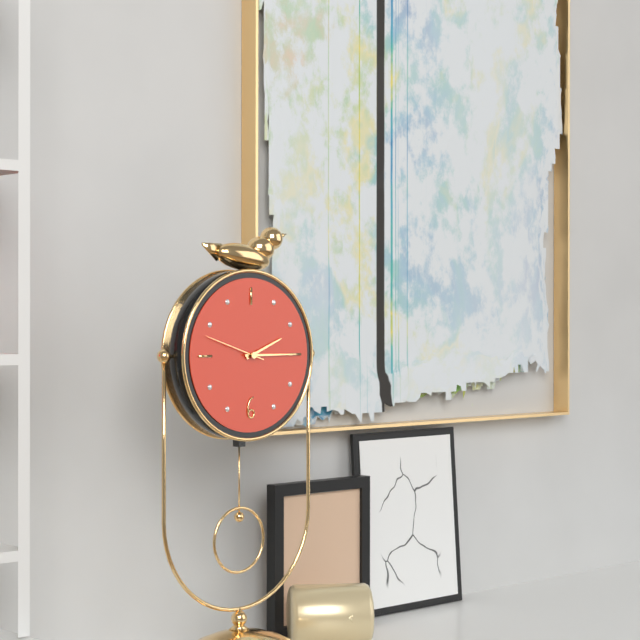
2 h 15 min 48 s
